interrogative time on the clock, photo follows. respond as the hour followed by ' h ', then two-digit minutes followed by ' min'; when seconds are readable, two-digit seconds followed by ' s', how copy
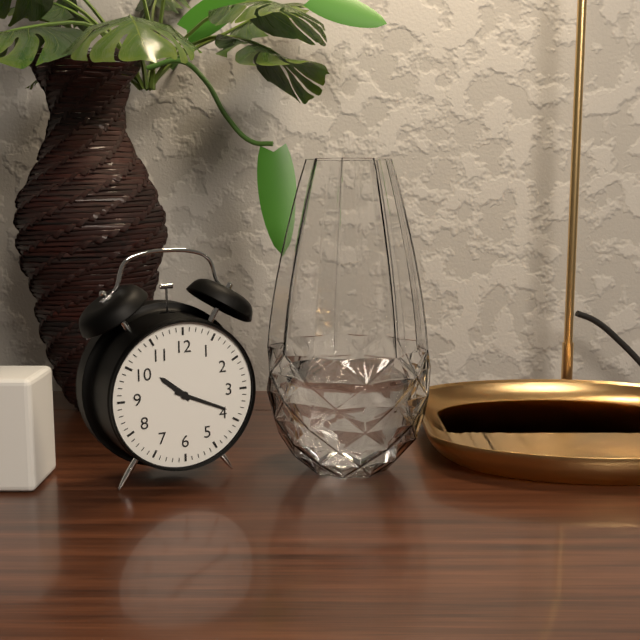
10 h 19 min
